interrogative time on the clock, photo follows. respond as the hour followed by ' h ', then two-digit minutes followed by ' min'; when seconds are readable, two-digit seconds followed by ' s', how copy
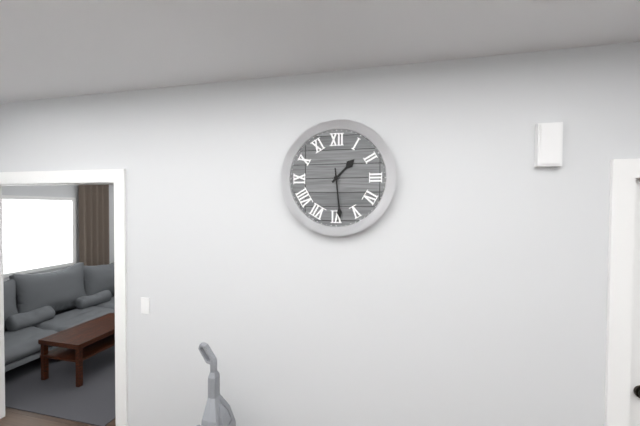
1 h 29 min
